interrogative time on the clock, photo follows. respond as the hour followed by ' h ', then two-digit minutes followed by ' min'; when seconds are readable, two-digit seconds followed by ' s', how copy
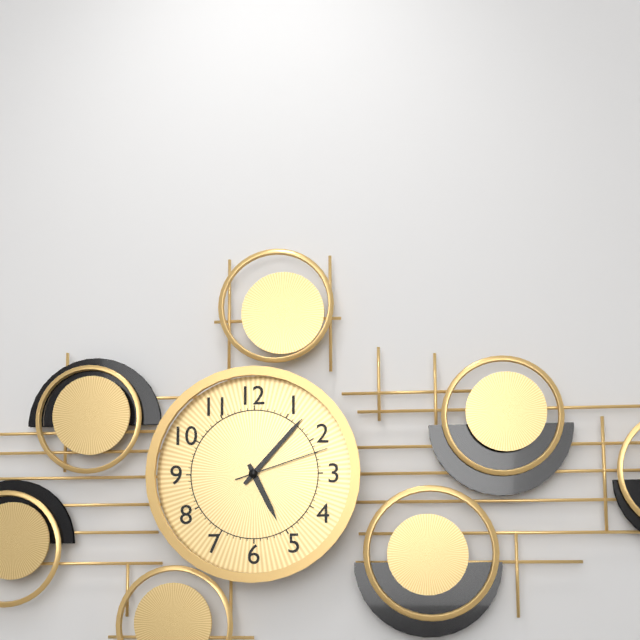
5 h 07 min 12 s
